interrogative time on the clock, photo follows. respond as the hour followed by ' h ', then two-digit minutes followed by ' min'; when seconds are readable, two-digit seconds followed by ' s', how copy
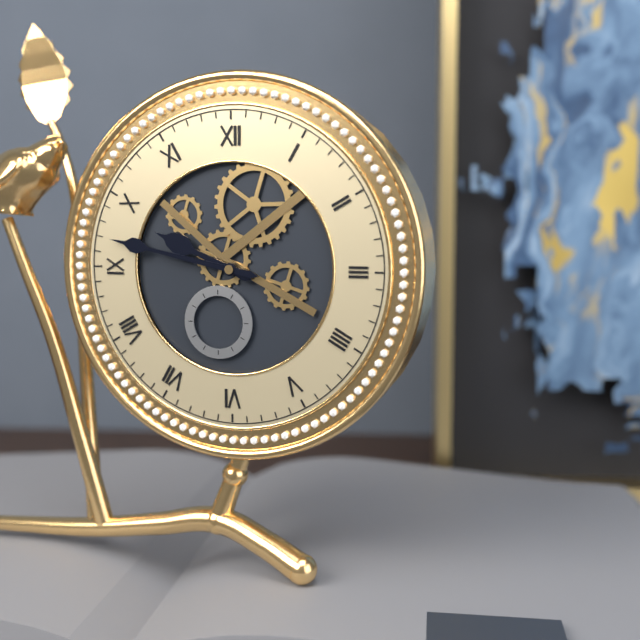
9 h 47 min
